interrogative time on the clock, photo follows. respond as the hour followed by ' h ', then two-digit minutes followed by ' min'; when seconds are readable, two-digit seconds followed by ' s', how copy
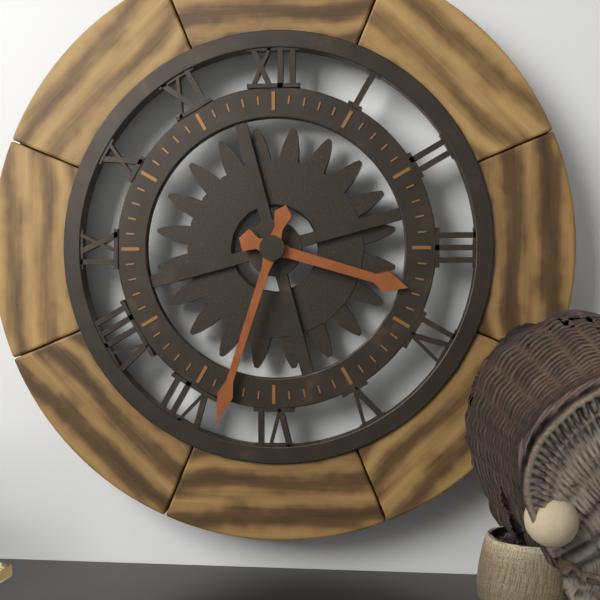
3 h 33 min
